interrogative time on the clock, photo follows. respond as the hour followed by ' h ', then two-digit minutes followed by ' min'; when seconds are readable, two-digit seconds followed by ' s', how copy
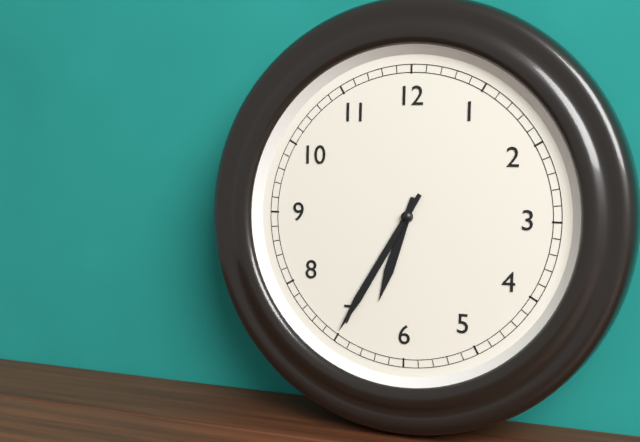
6 h 35 min
